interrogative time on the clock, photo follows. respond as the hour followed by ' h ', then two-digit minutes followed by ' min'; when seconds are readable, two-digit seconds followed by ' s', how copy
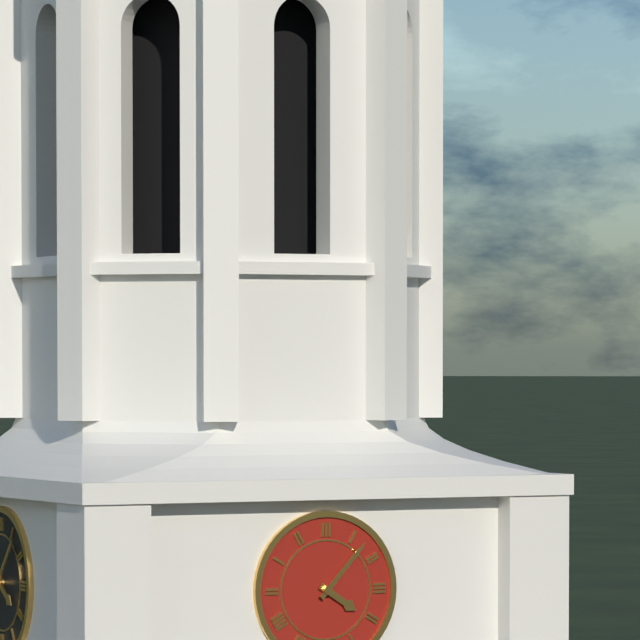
4 h 07 min
